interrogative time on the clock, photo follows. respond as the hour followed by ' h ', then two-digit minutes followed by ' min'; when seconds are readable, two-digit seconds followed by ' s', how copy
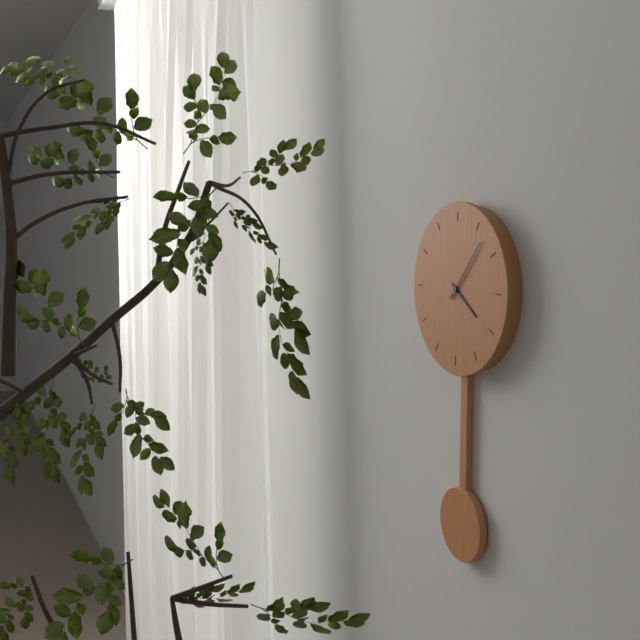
4 h 07 min
